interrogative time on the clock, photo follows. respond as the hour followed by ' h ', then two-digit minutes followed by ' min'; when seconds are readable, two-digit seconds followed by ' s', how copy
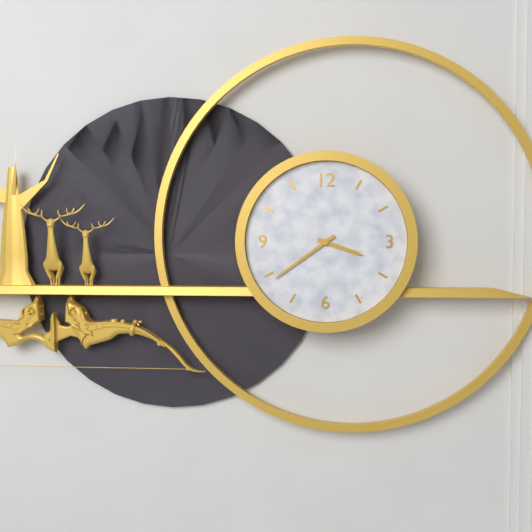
3 h 39 min
